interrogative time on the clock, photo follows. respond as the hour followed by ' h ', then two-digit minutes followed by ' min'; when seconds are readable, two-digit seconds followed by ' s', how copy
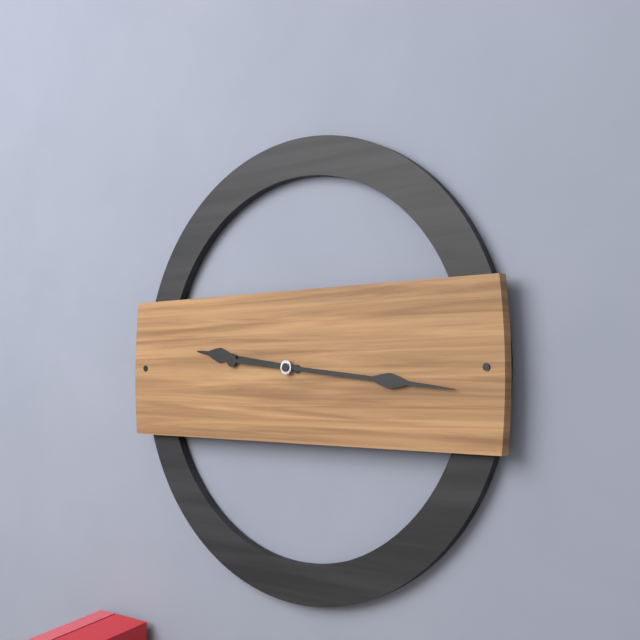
9 h 16 min
